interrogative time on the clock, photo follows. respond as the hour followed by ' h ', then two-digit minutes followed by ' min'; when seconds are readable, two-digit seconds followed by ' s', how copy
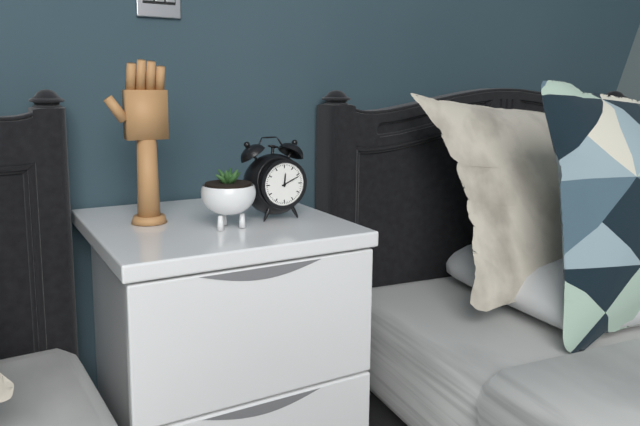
12 h 11 min
